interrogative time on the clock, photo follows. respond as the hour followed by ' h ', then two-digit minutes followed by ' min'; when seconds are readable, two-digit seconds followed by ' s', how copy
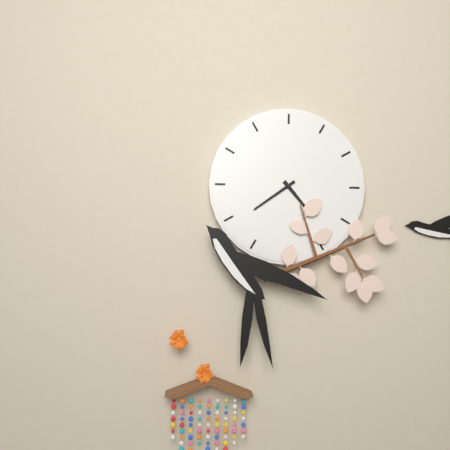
4 h 39 min
